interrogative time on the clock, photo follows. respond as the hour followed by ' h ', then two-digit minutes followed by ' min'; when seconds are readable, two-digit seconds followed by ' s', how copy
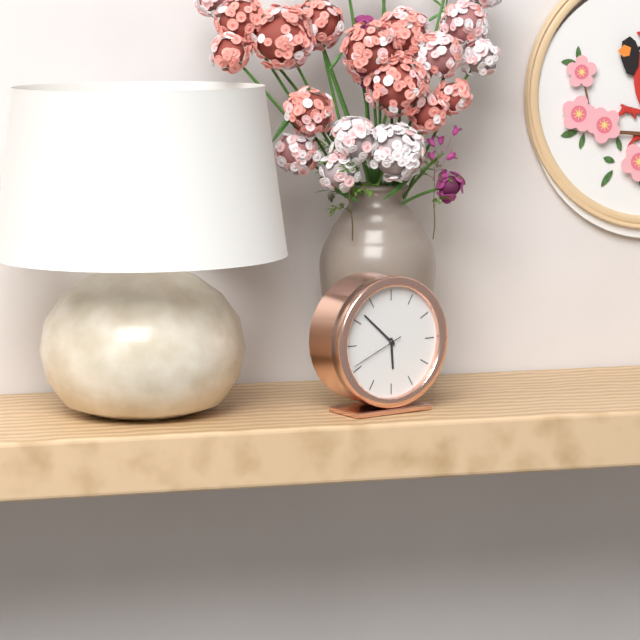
5 h 52 min 41 s
